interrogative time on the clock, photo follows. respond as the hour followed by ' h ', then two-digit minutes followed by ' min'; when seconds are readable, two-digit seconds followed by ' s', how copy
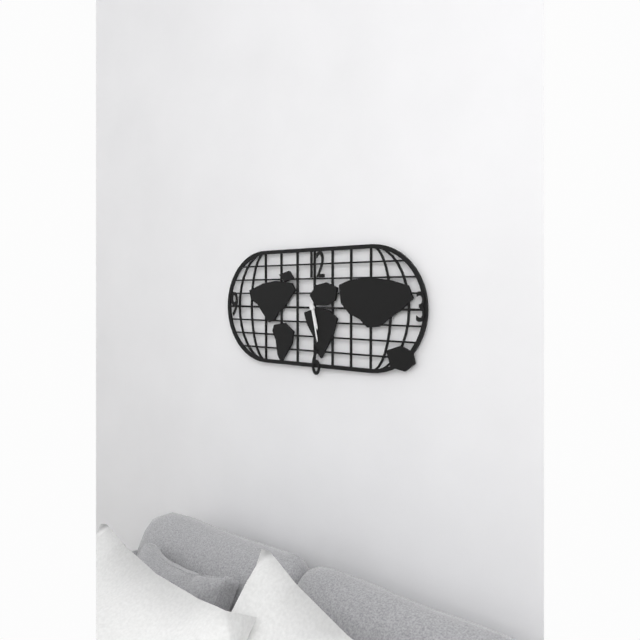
5 h 28 min
